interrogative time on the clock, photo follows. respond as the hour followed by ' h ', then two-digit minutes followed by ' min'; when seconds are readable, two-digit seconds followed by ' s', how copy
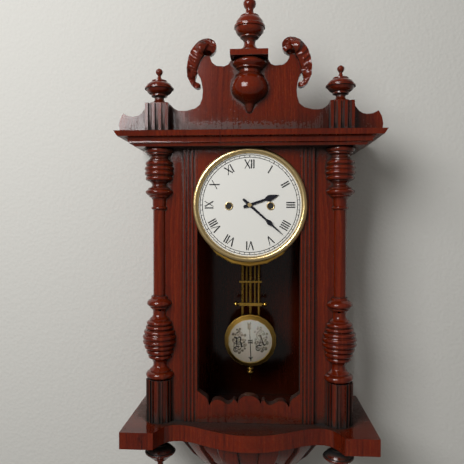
2 h 22 min
